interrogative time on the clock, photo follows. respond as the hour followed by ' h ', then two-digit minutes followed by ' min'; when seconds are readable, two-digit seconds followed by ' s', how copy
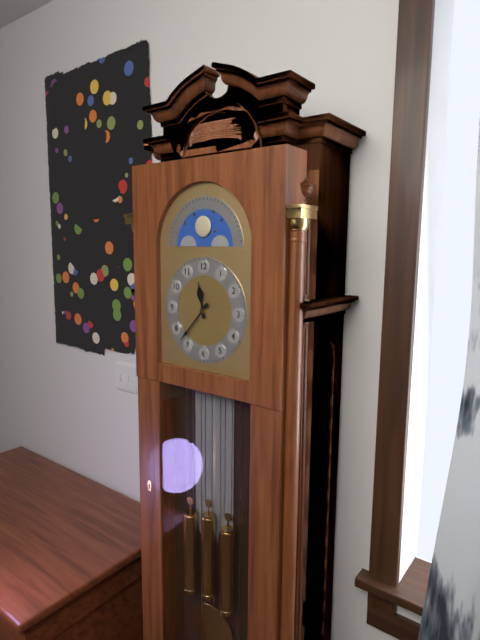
11 h 37 min
